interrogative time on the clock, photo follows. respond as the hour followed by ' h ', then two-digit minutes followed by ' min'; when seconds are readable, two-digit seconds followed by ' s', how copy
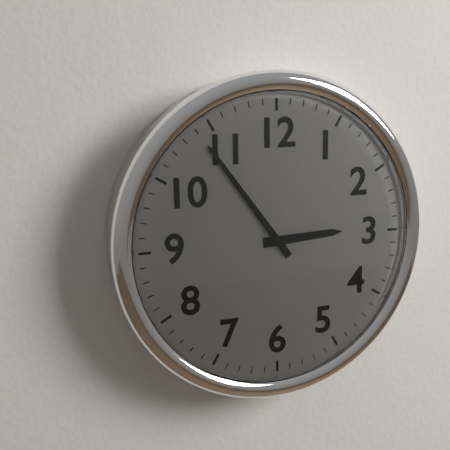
2 h 54 min
